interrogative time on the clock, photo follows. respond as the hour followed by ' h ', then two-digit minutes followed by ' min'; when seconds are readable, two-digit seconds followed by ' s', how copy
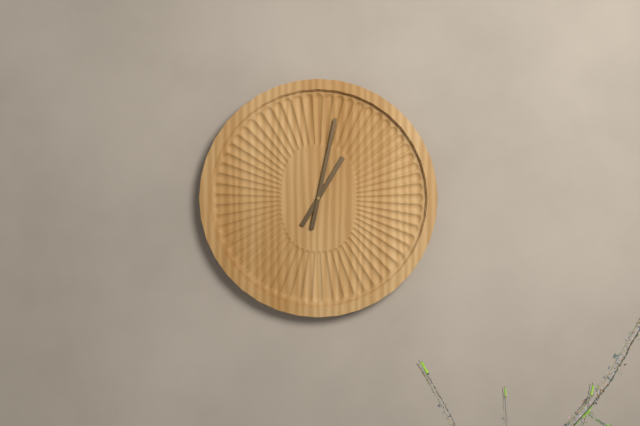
1 h 02 min
